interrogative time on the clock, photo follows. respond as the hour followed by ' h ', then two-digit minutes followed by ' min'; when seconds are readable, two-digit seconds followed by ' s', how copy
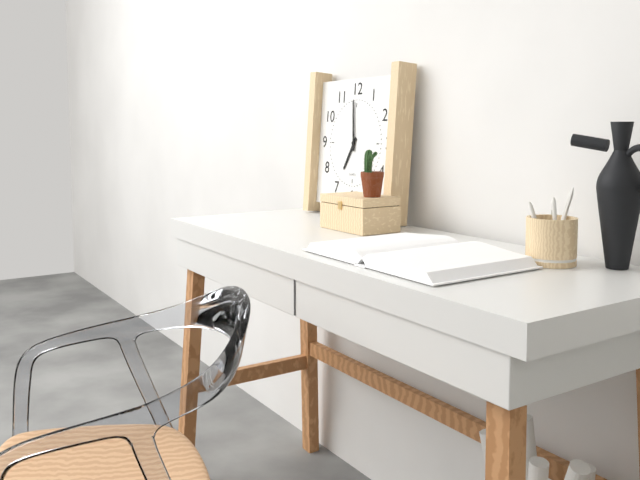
6 h 59 min
